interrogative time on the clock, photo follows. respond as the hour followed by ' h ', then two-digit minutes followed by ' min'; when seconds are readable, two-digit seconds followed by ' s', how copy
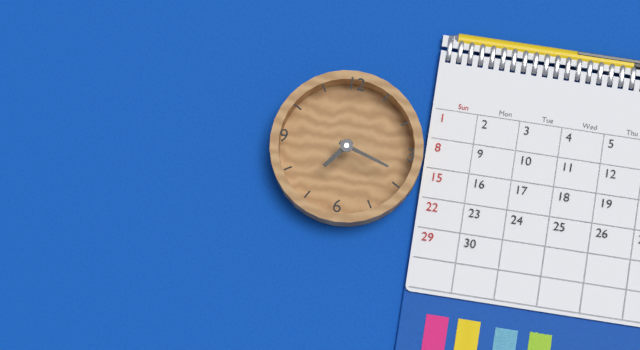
7 h 18 min
